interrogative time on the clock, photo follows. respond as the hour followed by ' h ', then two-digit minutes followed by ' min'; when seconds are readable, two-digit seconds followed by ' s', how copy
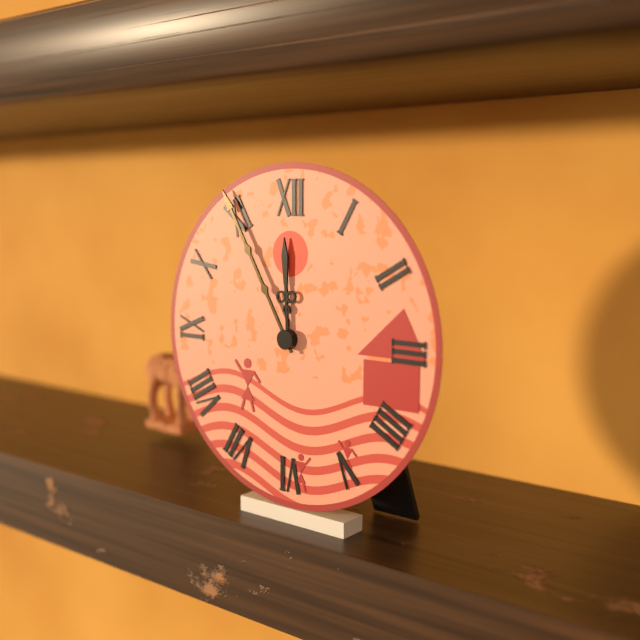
11 h 55 min
